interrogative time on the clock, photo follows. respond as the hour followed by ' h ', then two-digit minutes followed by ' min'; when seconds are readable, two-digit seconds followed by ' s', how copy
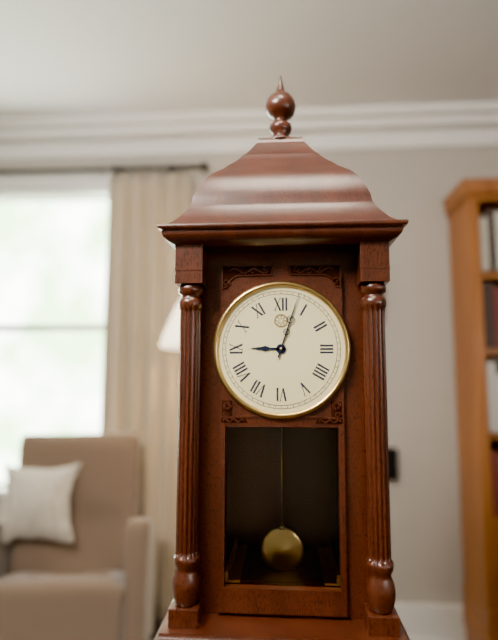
9 h 03 min
